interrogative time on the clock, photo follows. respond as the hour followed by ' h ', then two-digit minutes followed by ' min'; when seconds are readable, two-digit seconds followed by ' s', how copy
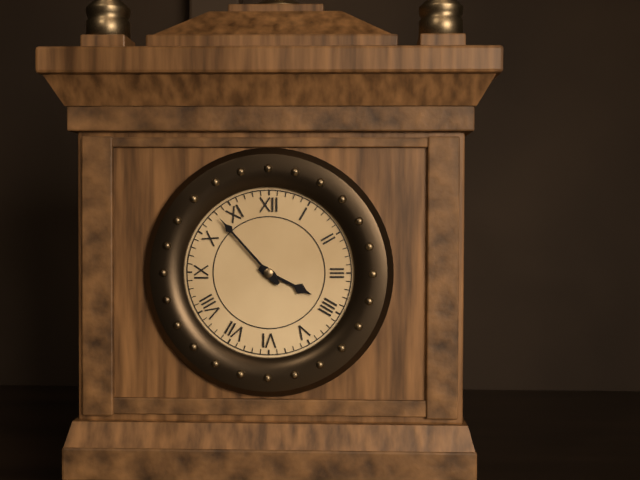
3 h 53 min
